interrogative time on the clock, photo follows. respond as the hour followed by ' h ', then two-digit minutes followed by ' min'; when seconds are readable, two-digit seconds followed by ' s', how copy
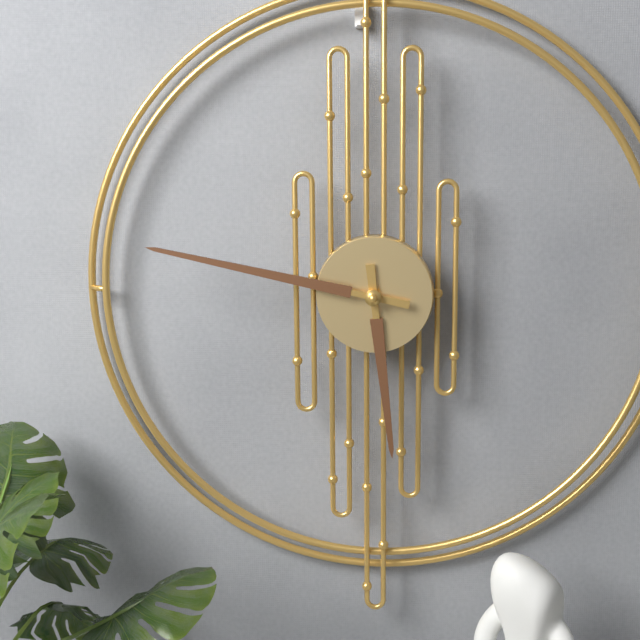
5 h 47 min
